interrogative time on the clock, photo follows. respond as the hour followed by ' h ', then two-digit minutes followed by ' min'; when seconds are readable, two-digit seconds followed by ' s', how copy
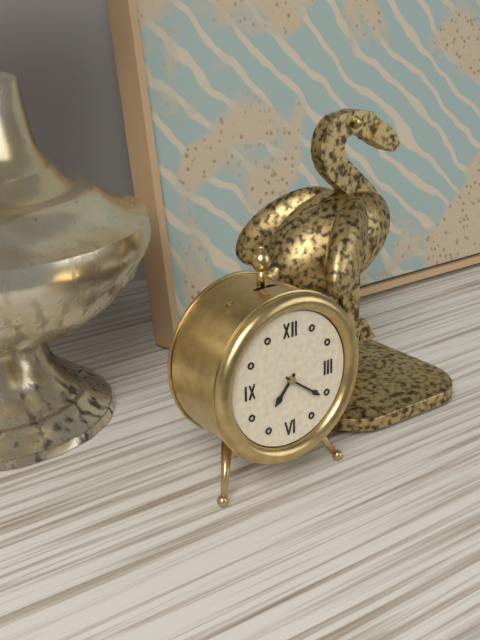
7 h 21 min
